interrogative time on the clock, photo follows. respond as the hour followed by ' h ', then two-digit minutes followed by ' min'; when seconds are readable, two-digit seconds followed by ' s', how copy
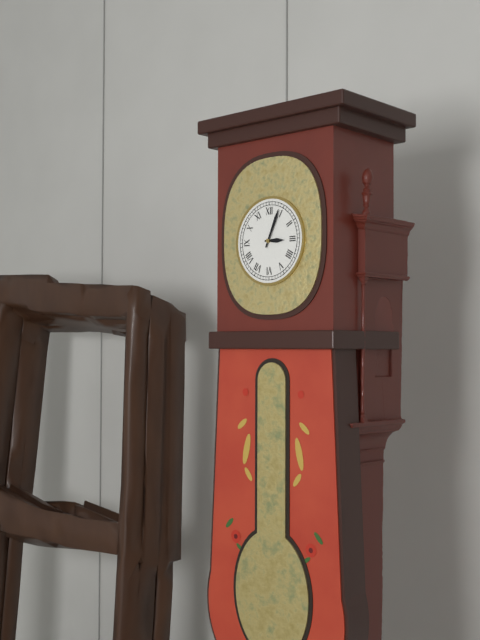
3 h 04 min
